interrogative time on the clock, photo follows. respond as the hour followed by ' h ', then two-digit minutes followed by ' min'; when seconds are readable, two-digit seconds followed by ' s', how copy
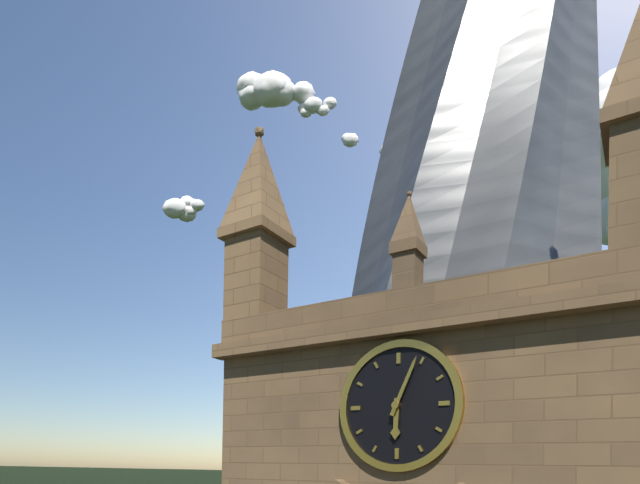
6 h 04 min
